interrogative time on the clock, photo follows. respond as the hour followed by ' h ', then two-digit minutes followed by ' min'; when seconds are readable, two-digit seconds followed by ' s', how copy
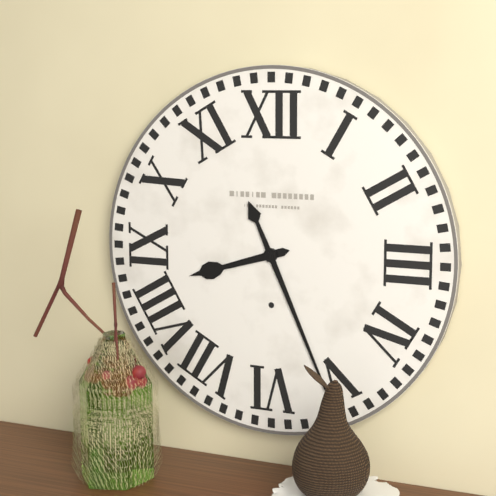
8 h 26 min
